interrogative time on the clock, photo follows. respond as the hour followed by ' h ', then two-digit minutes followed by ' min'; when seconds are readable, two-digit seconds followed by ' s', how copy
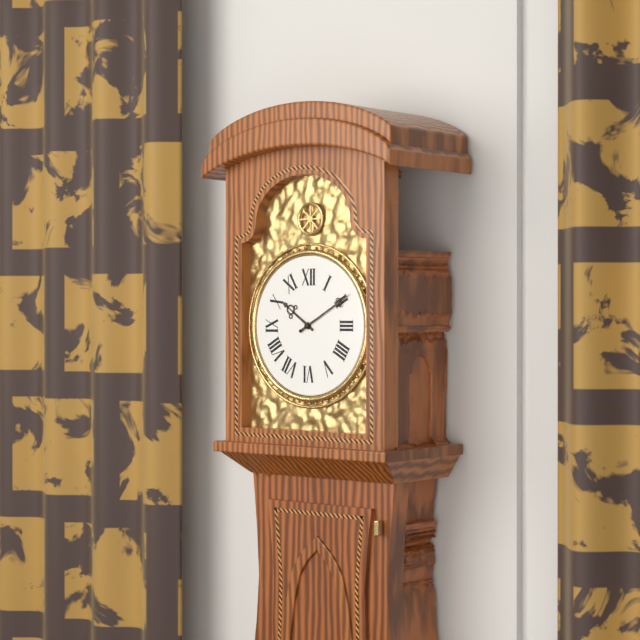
10 h 10 min
